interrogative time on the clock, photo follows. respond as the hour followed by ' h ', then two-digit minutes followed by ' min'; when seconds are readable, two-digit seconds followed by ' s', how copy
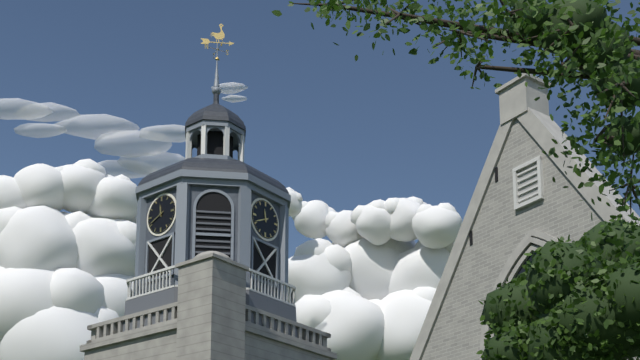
11 h 41 min
